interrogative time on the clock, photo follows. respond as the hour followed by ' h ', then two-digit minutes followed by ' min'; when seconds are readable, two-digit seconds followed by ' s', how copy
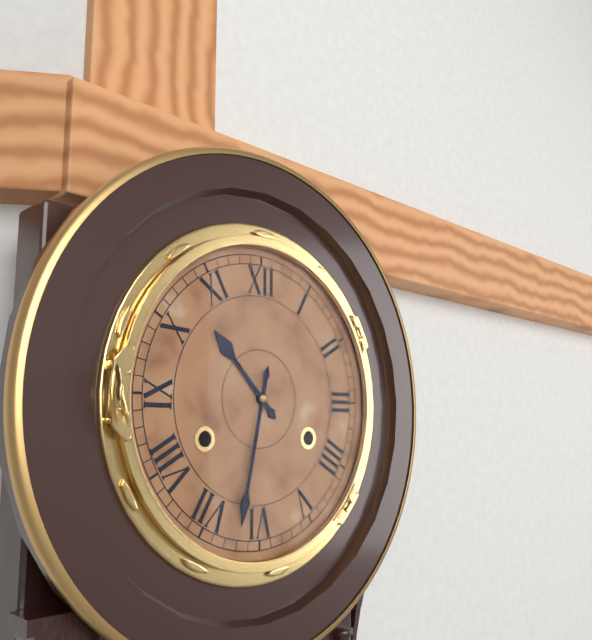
10 h 32 min
